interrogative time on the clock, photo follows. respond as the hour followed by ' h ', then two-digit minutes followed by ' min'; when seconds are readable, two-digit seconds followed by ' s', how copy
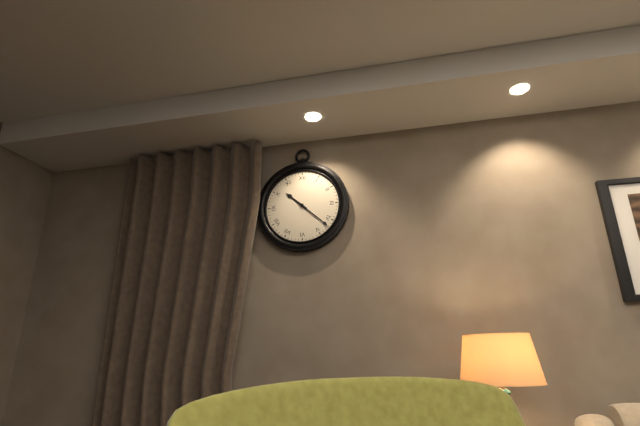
10 h 22 min
